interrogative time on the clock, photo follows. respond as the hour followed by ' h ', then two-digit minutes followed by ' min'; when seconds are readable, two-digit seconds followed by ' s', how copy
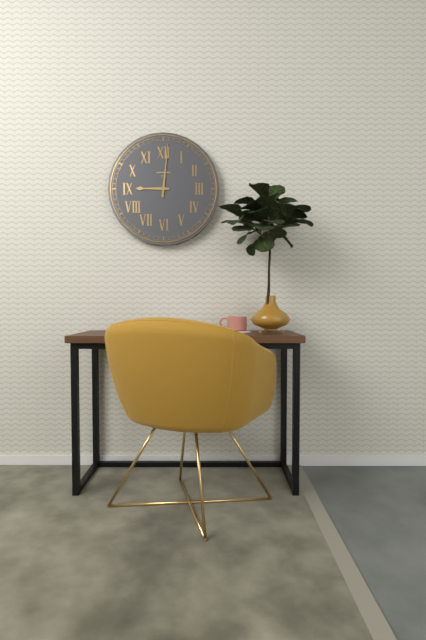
9 h 01 min
